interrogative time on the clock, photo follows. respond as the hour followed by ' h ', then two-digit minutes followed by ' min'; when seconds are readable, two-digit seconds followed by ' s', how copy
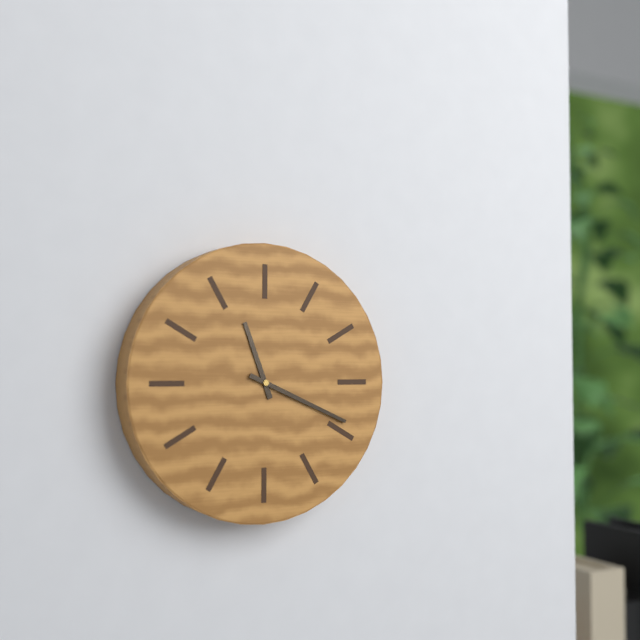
11 h 19 min
